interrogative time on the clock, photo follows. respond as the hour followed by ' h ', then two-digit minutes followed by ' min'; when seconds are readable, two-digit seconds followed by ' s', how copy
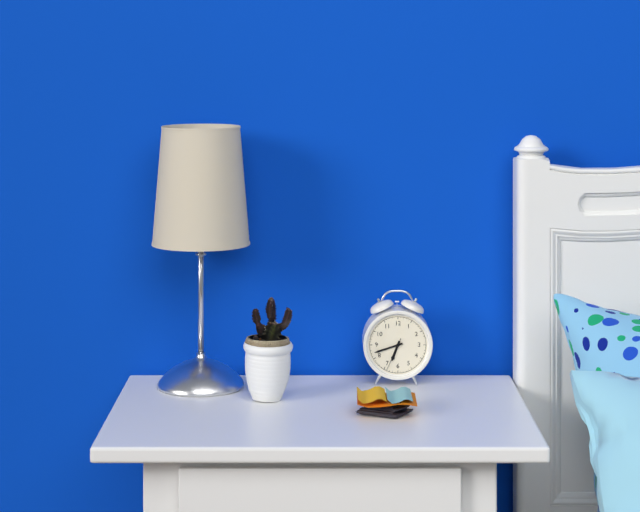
6 h 42 min
